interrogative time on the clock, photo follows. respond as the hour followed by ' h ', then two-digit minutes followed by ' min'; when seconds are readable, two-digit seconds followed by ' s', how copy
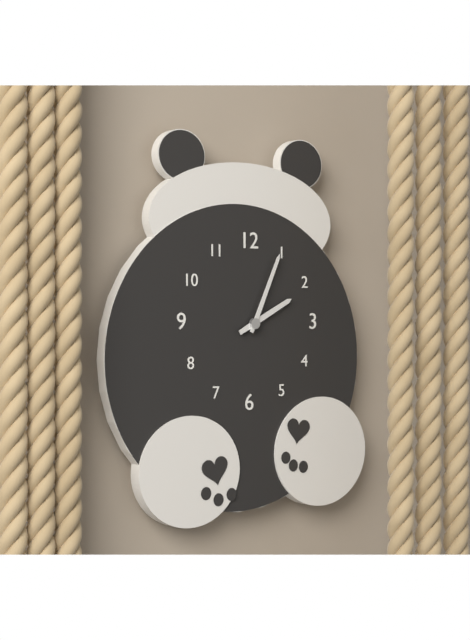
2 h 04 min
